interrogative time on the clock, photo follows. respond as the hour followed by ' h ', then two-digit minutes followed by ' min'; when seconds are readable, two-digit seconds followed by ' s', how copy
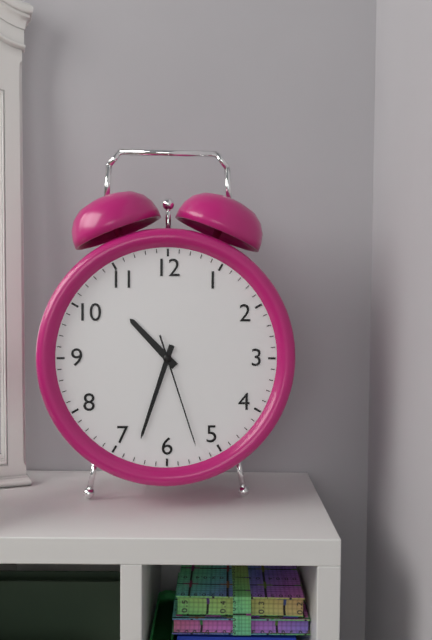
10 h 33 min 27 s
